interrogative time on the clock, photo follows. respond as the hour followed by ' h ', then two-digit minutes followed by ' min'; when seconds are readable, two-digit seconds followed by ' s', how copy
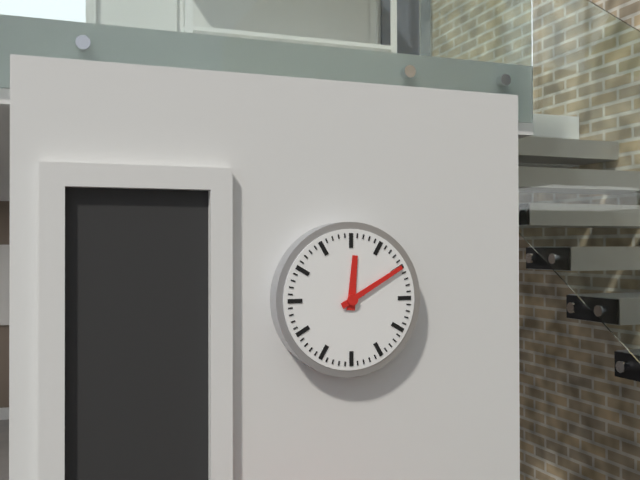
12 h 10 min
